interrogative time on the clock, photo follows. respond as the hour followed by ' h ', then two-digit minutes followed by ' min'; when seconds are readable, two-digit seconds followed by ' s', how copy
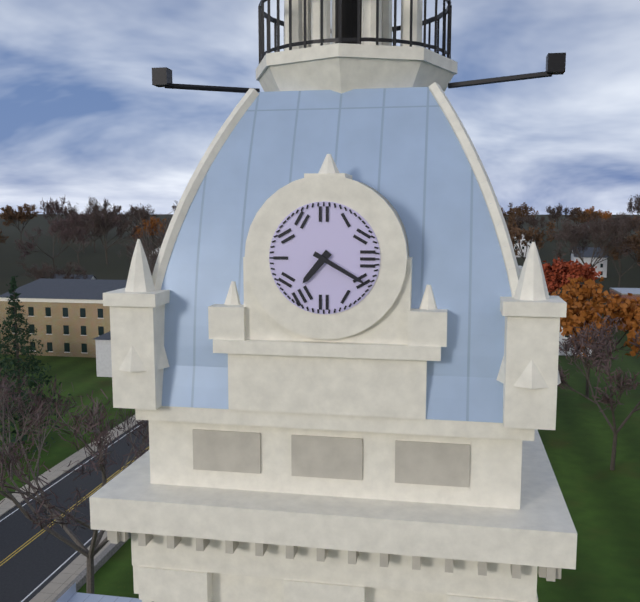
7 h 20 min
